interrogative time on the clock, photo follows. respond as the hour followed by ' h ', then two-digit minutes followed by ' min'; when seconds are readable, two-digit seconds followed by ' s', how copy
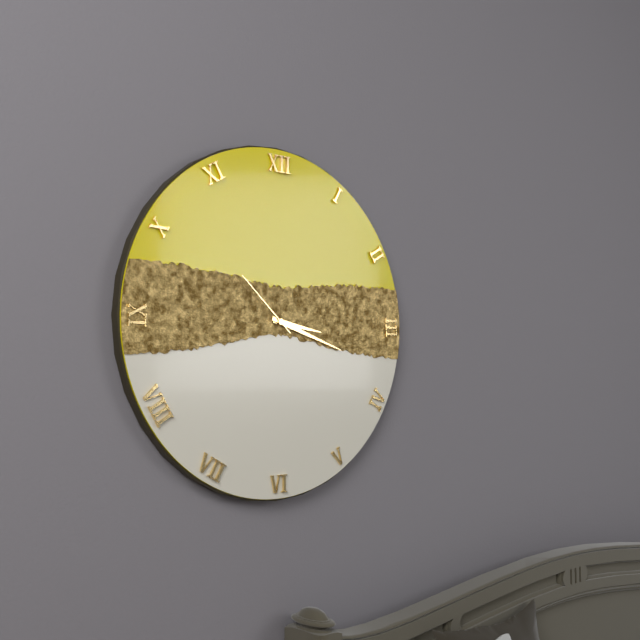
3 h 18 min 52 s
